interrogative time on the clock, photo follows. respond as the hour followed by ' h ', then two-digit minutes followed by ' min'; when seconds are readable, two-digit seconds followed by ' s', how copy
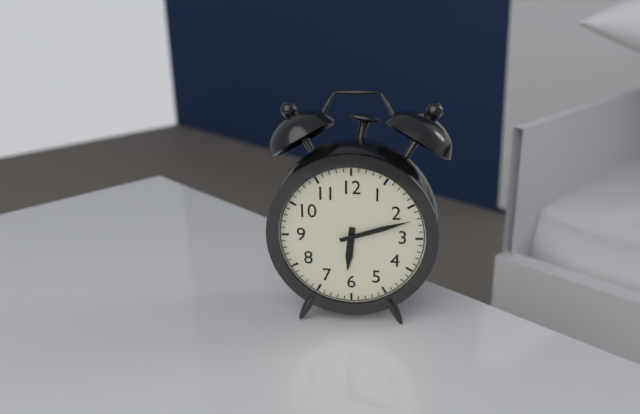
6 h 12 min
